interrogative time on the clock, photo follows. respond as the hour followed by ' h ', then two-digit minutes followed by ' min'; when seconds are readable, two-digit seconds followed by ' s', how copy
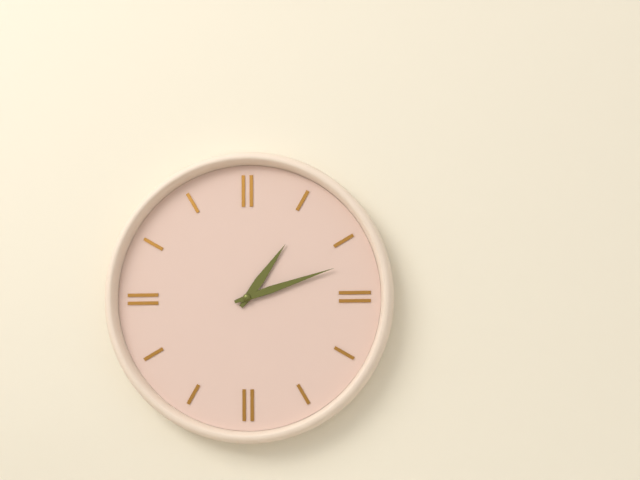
1 h 12 min
